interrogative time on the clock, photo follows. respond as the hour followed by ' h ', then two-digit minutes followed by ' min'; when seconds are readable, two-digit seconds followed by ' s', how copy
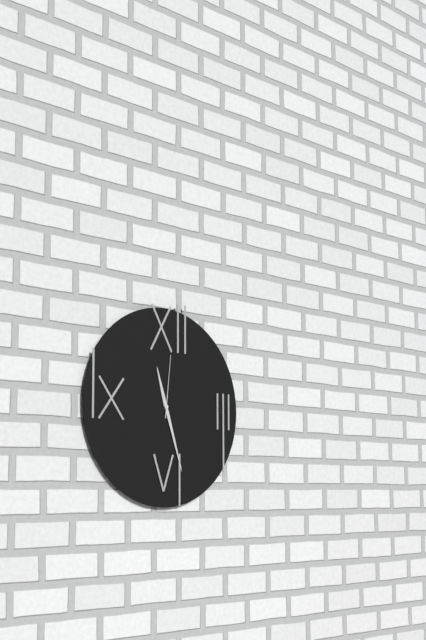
11 h 27 min 01 s
